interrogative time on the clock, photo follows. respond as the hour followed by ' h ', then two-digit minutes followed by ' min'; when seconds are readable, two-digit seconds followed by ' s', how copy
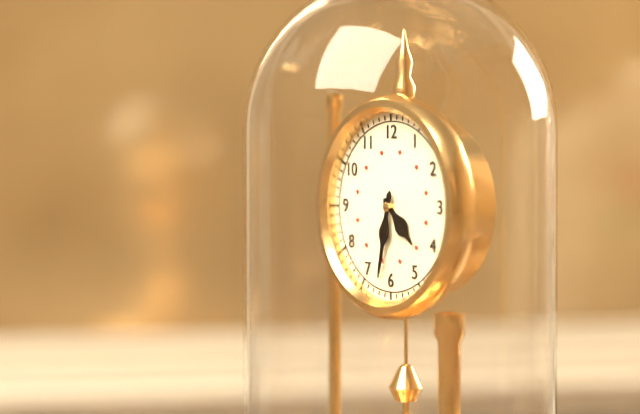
4 h 32 min
